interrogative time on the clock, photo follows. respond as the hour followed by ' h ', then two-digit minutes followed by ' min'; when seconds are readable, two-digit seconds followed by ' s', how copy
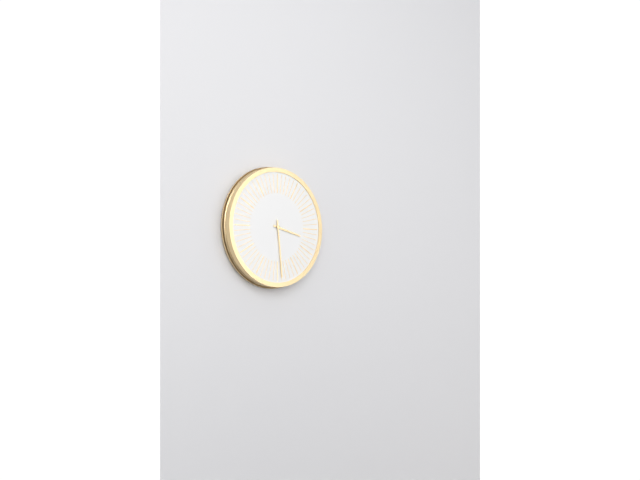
3 h 29 min
